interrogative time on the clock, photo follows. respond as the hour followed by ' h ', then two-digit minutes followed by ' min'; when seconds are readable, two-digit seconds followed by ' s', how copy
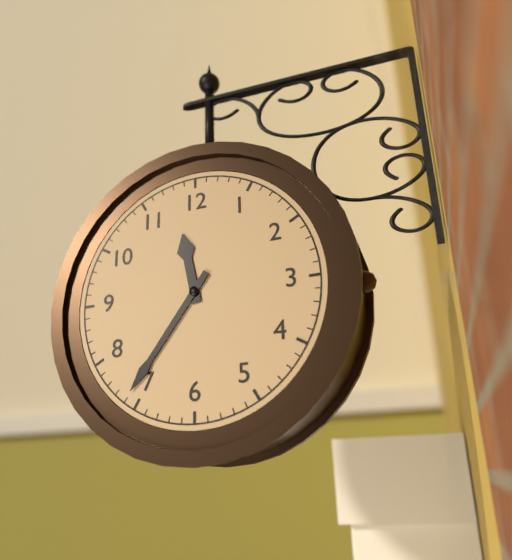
11 h 36 min
